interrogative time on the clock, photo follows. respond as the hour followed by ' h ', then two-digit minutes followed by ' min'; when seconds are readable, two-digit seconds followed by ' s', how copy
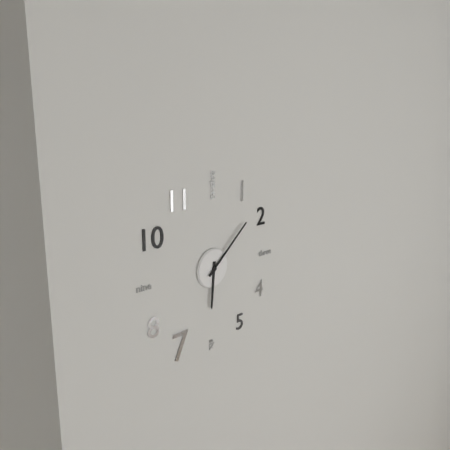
6 h 08 min
